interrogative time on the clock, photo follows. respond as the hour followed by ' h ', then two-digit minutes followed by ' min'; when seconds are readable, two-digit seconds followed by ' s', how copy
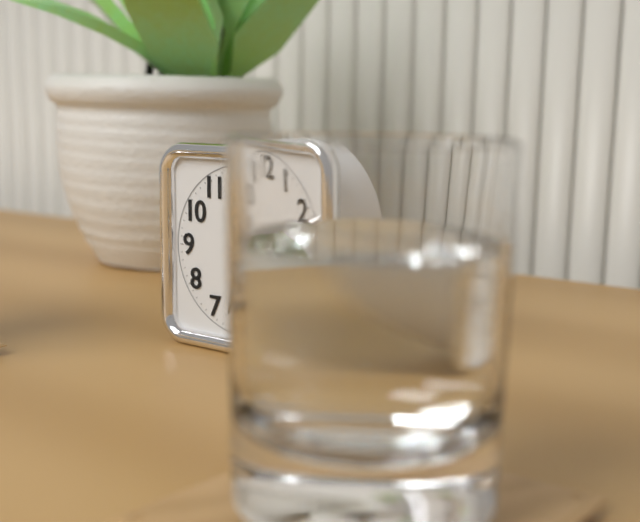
4 h 32 min 18 s
